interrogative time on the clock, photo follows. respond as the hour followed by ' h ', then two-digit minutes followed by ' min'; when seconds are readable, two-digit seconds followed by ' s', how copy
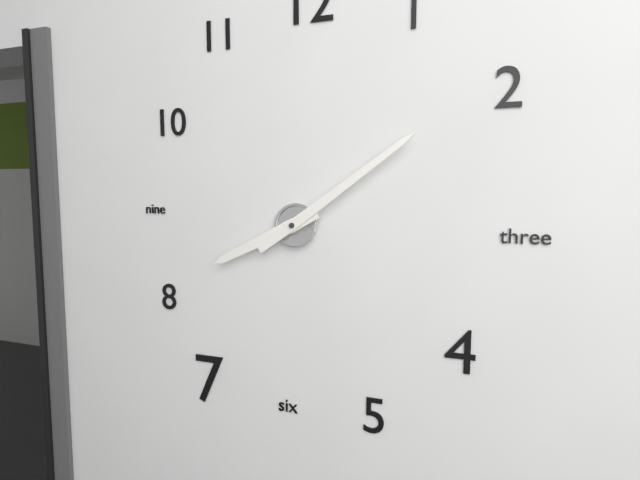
8 h 09 min
